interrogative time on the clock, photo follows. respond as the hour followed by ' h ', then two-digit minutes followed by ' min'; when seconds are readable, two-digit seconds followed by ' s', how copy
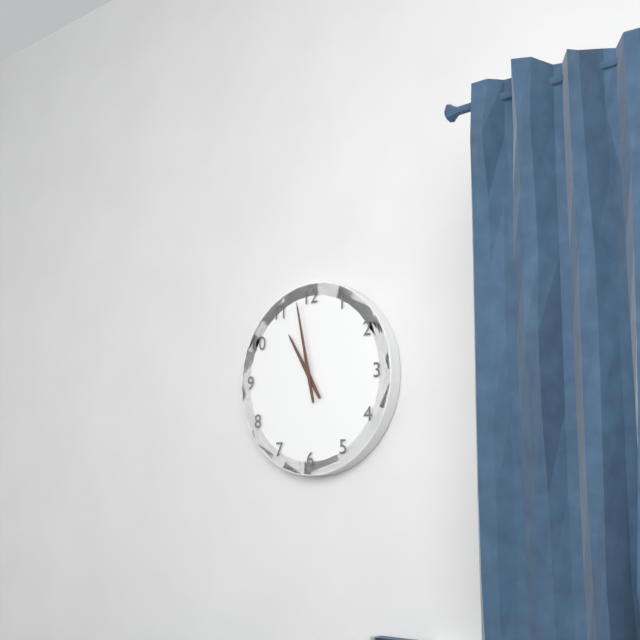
10 h 58 min
